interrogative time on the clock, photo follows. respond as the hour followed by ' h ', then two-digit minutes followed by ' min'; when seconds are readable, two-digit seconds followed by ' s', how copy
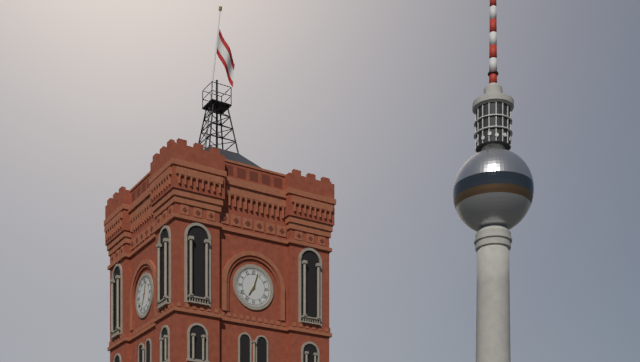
7 h 03 min
